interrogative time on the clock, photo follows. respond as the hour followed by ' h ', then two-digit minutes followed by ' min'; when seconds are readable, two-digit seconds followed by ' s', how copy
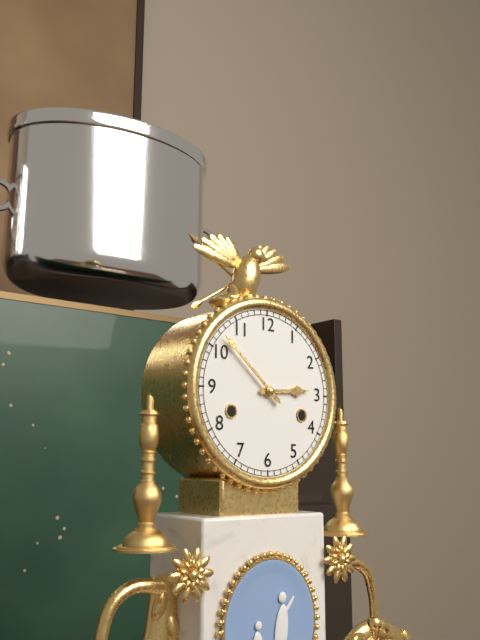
2 h 52 min
